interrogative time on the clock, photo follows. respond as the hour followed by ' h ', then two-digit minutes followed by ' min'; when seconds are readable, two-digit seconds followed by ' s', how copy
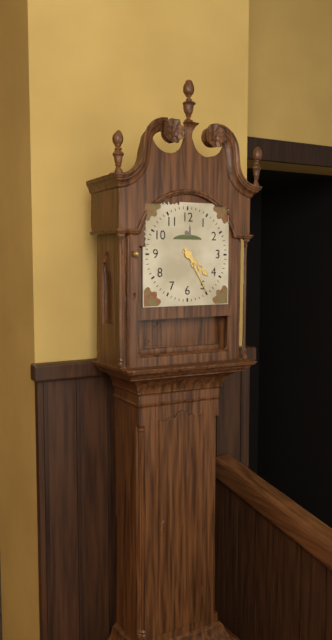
4 h 25 min
